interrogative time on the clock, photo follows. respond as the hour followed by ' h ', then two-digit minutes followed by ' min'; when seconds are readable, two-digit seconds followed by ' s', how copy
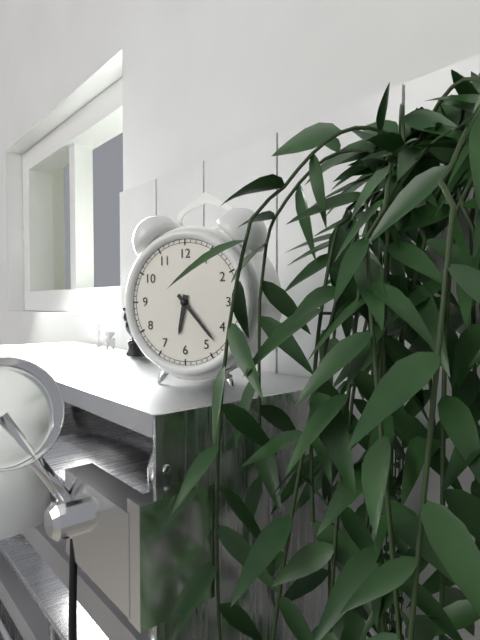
6 h 23 min
